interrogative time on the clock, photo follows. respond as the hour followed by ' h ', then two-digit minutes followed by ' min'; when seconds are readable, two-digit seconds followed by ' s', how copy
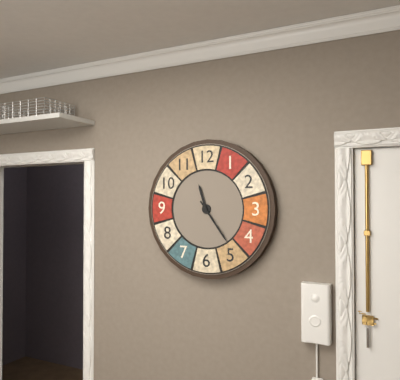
11 h 24 min
